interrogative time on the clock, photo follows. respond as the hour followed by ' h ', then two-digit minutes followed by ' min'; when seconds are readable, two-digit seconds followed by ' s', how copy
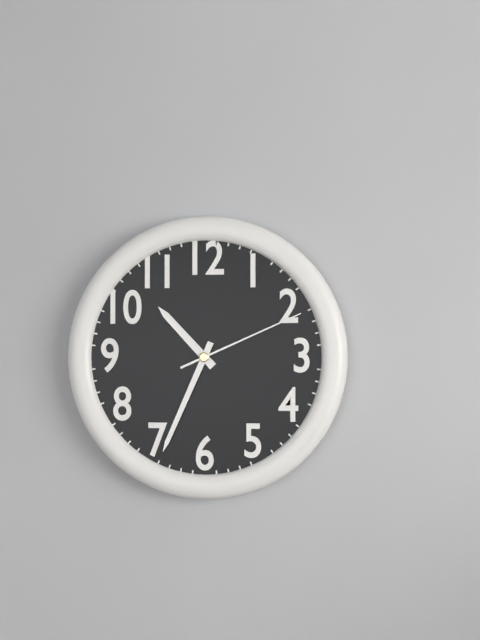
10 h 34 min 11 s
